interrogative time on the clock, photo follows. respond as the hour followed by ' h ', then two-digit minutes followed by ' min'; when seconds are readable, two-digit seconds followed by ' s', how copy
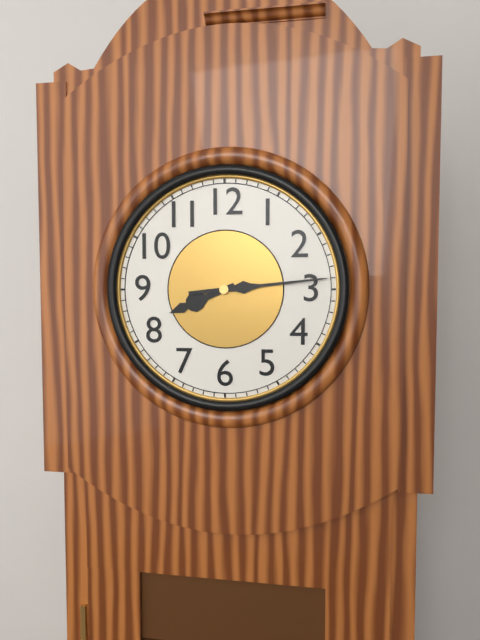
8 h 14 min
